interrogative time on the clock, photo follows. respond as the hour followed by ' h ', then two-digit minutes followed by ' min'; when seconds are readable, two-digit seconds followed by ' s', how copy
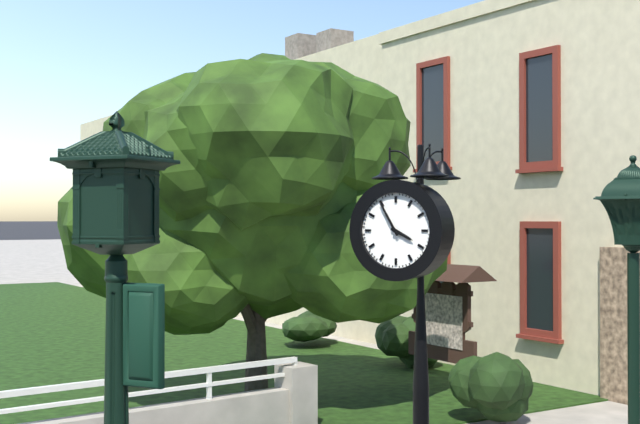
3 h 55 min
